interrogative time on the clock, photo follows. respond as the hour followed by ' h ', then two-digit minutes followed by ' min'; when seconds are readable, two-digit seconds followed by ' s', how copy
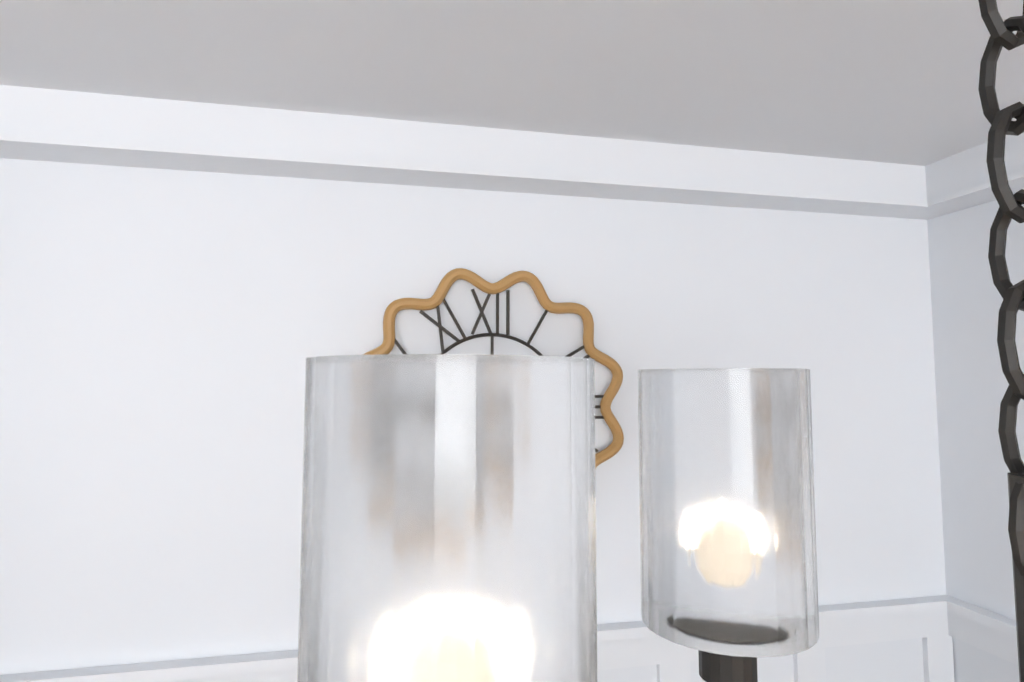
2 h 28 min
